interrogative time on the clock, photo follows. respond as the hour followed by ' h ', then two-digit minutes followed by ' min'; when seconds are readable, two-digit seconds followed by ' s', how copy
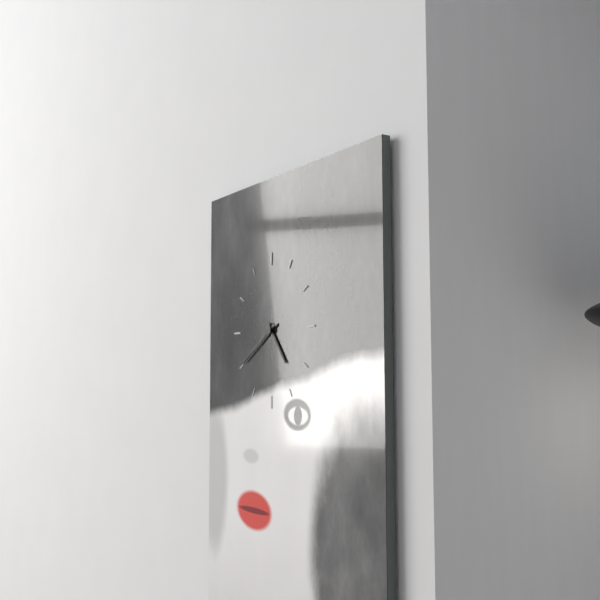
4 h 40 min
